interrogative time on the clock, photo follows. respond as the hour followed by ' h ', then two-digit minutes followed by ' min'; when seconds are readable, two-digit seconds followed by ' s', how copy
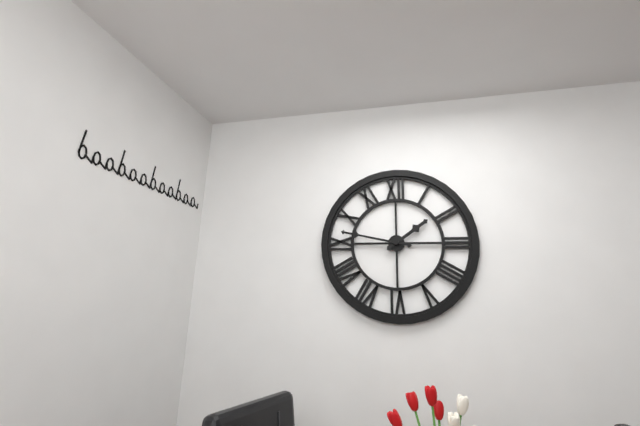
1 h 47 min
